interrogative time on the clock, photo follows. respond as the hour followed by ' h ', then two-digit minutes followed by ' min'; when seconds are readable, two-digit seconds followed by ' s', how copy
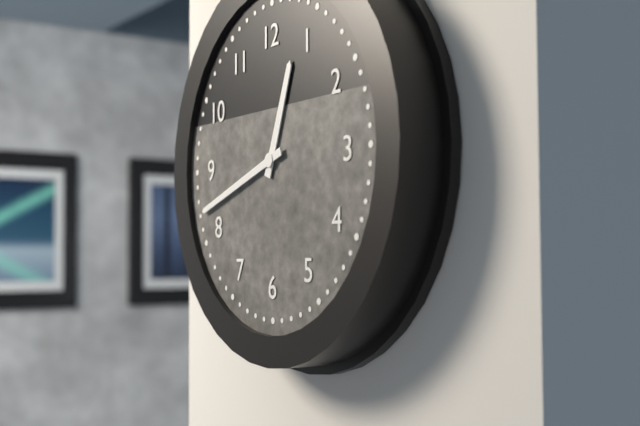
12 h 42 min
